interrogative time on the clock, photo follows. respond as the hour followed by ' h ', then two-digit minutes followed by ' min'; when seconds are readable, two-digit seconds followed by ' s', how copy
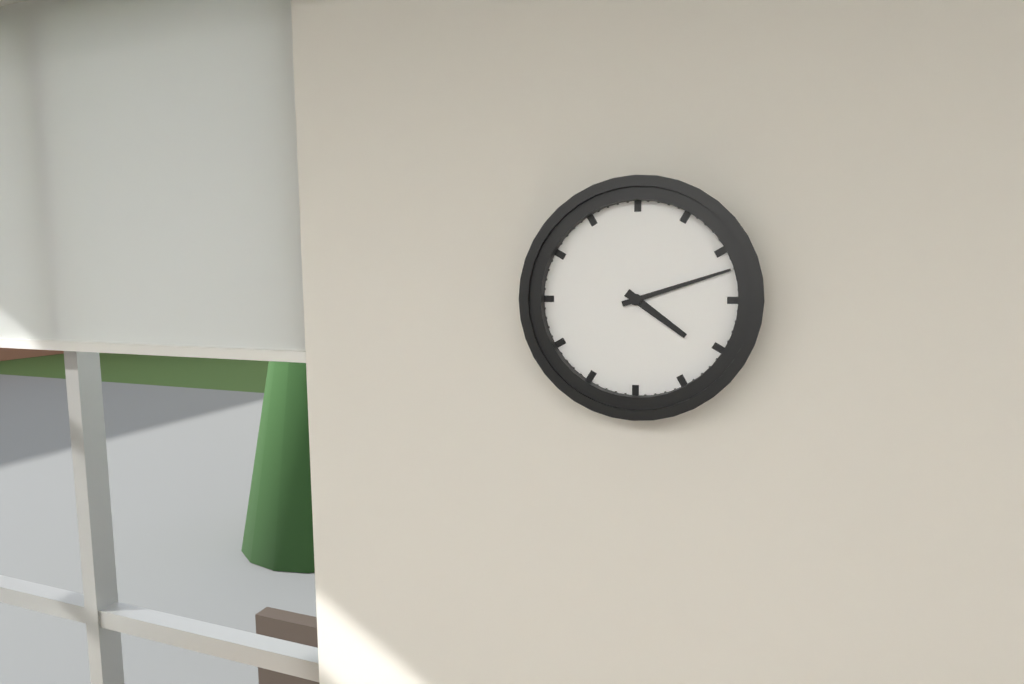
4 h 12 min
